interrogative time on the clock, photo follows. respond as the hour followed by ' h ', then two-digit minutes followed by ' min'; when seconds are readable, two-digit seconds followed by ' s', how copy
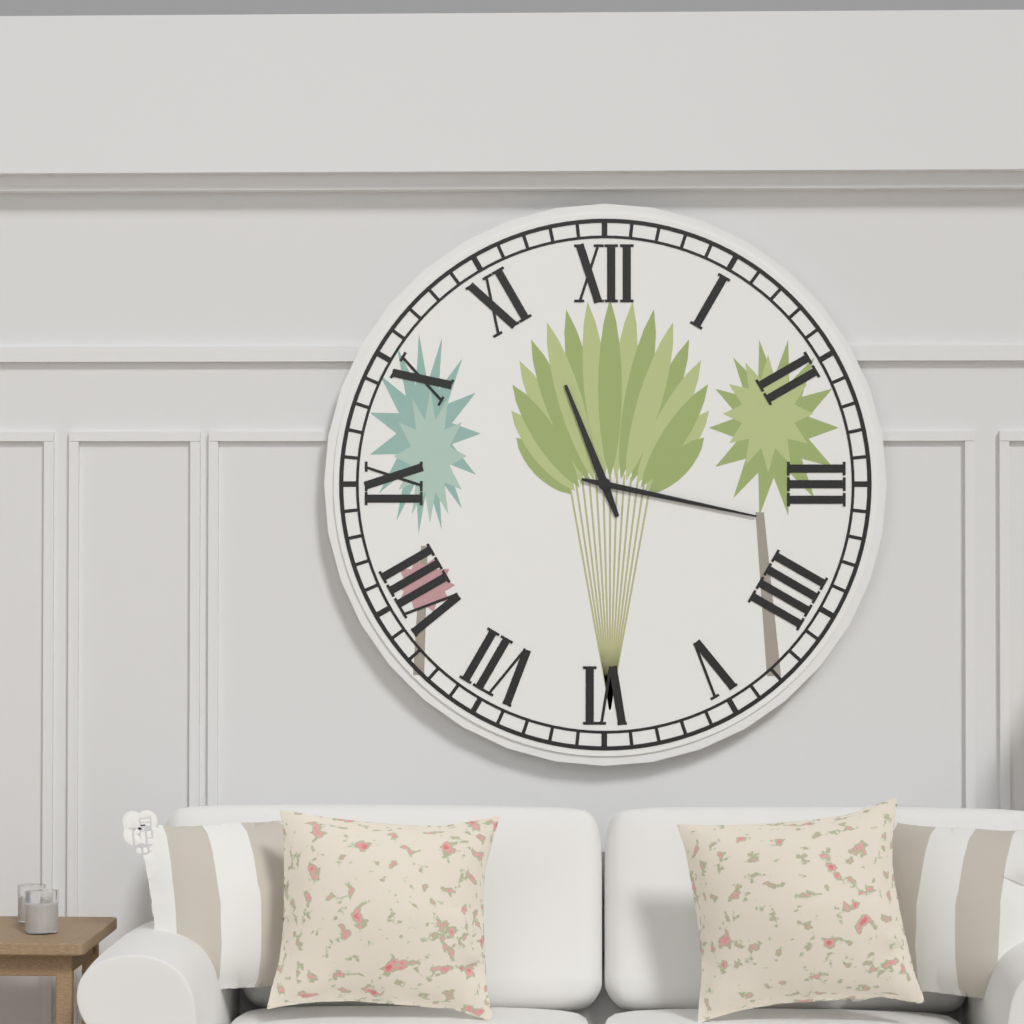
11 h 17 min
